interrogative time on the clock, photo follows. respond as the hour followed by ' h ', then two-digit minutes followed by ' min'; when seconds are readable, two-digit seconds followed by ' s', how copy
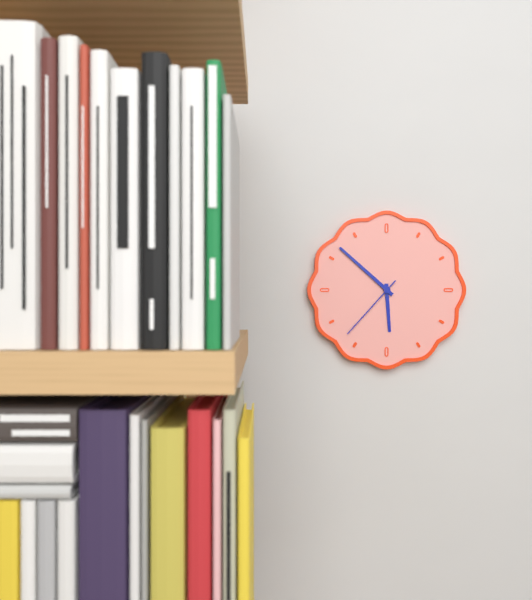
5 h 52 min 37 s
